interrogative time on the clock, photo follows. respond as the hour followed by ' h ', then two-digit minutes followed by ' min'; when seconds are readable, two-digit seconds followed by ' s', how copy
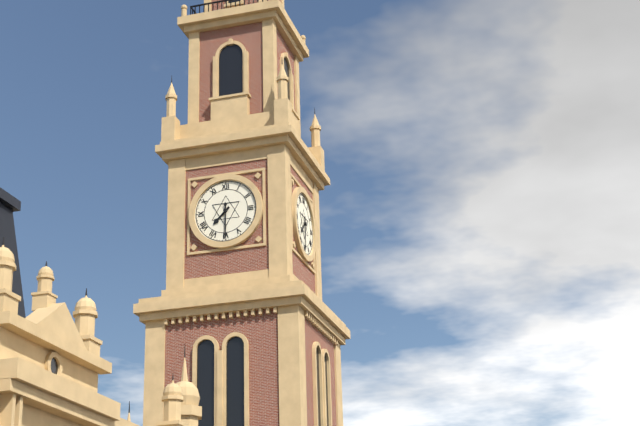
7 h 30 min
